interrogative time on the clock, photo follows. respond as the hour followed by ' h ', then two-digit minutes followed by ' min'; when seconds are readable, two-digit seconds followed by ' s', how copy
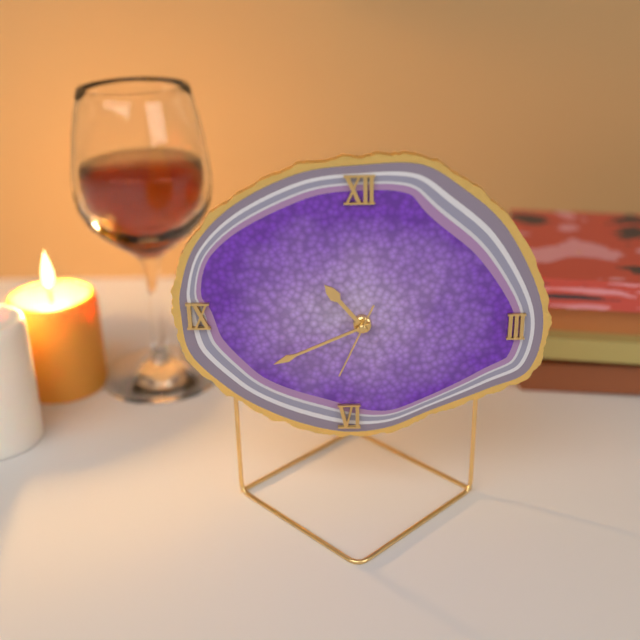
10 h 41 min 34 s
